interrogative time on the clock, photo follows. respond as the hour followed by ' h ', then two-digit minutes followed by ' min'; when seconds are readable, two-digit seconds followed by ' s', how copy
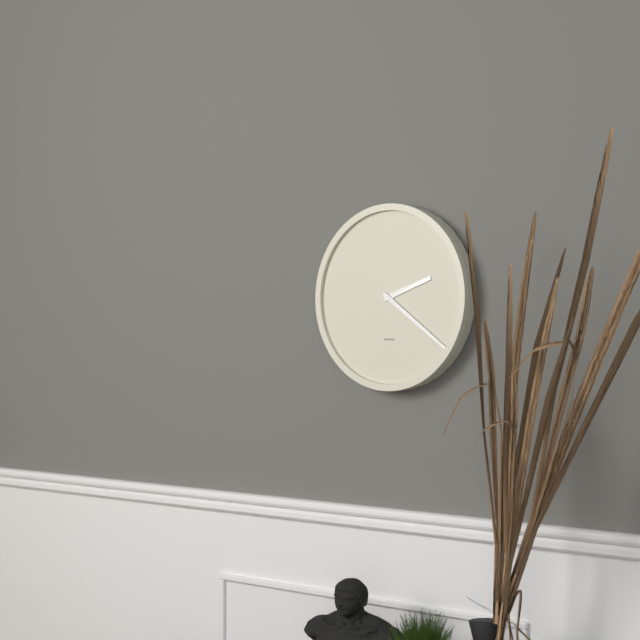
2 h 21 min
